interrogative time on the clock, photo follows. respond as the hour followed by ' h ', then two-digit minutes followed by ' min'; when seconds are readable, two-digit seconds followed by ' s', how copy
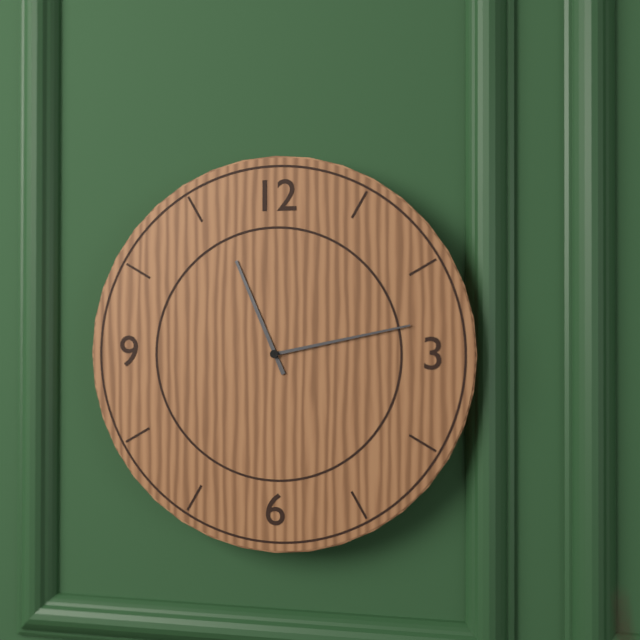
11 h 13 min
